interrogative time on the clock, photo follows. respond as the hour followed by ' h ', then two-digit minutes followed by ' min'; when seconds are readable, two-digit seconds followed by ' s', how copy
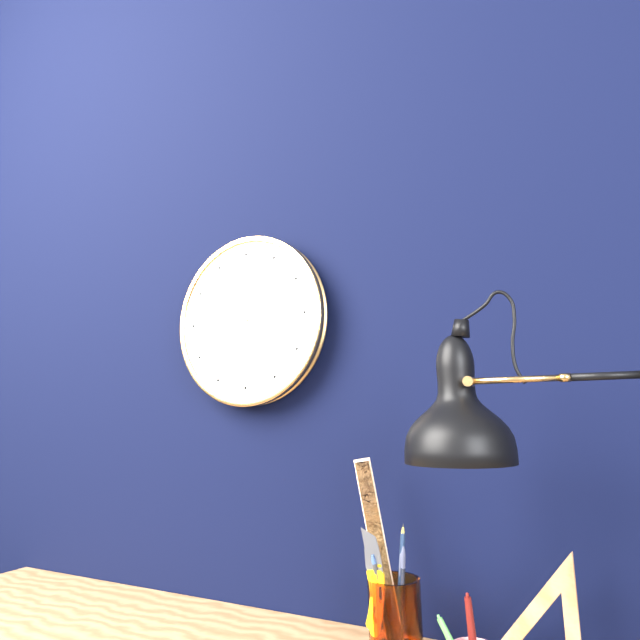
9 h 27 min
